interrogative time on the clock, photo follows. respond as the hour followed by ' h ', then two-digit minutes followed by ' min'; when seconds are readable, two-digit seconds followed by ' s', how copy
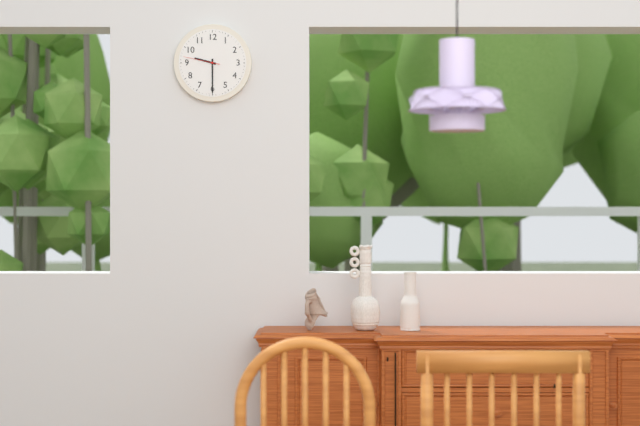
9 h 30 min
